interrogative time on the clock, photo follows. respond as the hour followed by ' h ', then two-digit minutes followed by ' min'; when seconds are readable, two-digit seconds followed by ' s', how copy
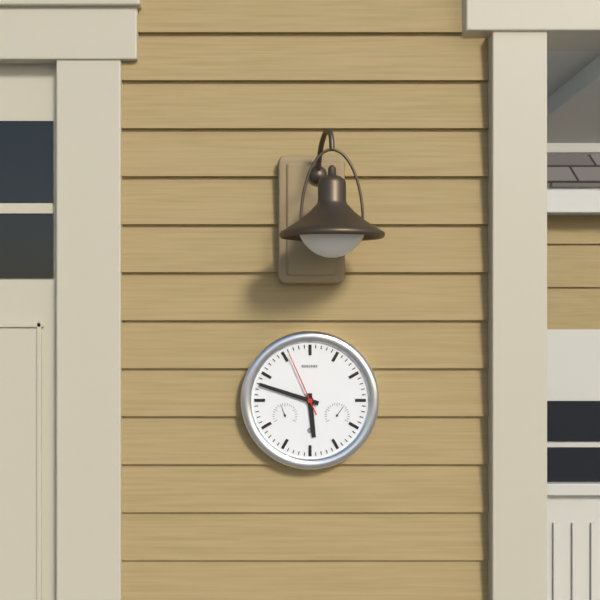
5 h 48 min 56 s
